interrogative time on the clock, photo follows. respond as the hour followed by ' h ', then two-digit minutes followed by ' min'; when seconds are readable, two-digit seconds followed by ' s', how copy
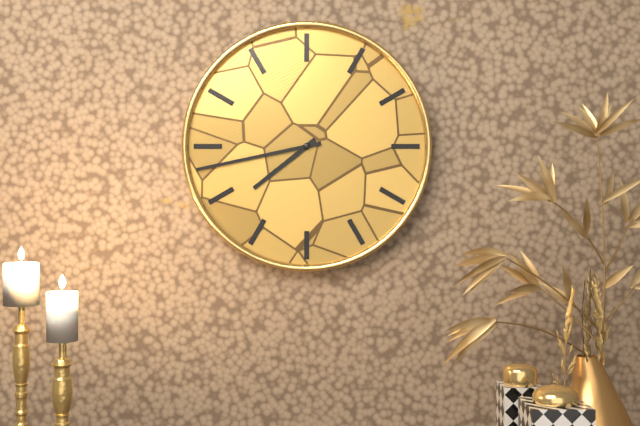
7 h 43 min
